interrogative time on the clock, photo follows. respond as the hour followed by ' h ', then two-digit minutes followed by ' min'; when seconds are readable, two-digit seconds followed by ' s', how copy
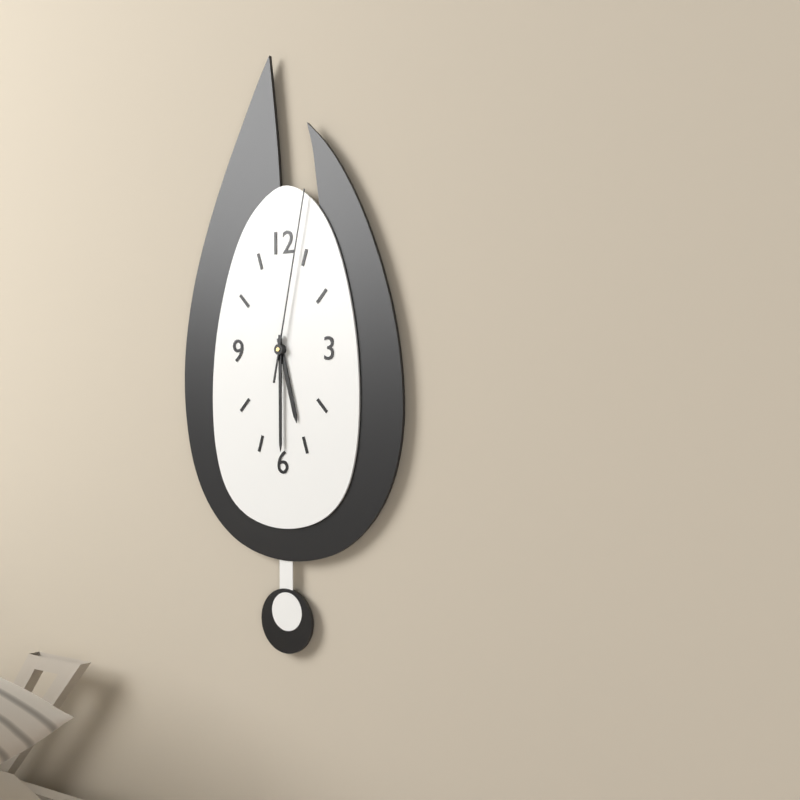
5 h 30 min 02 s
